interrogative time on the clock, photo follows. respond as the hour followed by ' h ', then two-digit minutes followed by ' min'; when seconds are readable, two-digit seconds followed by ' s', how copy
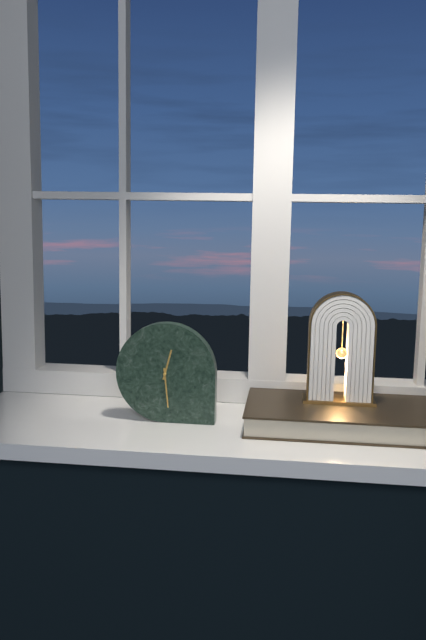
12 h 29 min
